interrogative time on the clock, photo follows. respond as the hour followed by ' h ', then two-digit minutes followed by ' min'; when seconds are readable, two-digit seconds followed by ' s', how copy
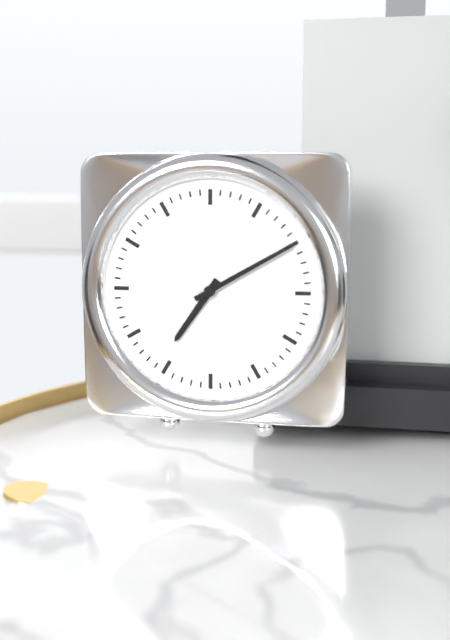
7 h 10 min
